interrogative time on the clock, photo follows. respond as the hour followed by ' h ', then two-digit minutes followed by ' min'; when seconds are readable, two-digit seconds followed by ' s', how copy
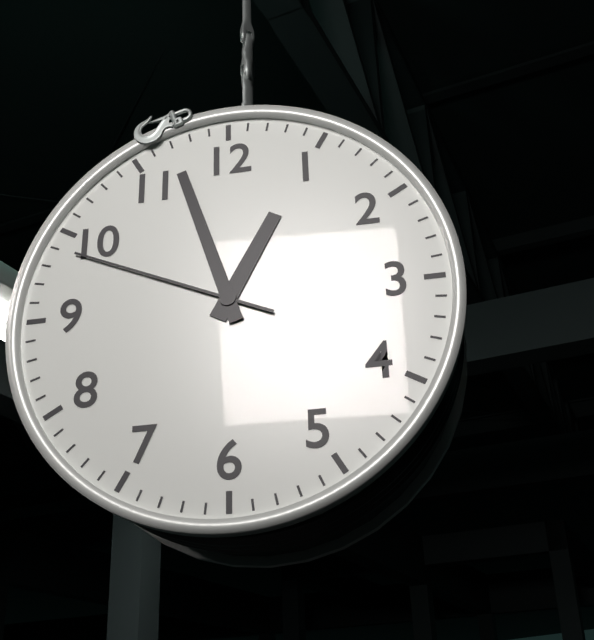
12 h 57 min 49 s
